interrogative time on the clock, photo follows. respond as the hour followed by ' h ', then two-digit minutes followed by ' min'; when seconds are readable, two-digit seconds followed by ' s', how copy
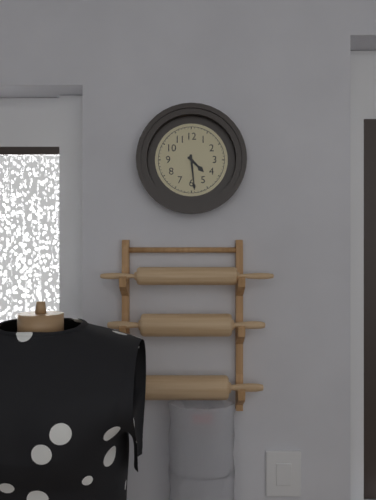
4 h 29 min
